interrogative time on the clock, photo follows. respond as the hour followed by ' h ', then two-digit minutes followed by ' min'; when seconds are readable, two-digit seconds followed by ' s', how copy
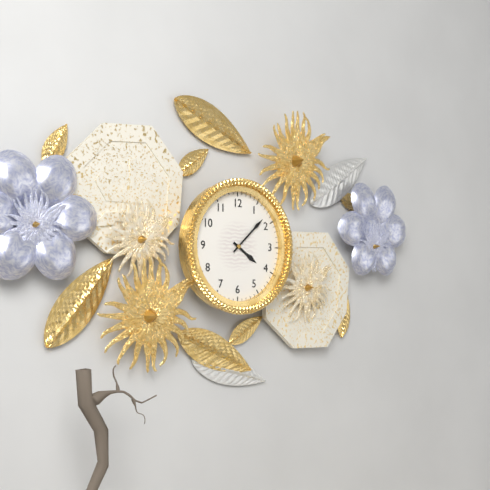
4 h 08 min
